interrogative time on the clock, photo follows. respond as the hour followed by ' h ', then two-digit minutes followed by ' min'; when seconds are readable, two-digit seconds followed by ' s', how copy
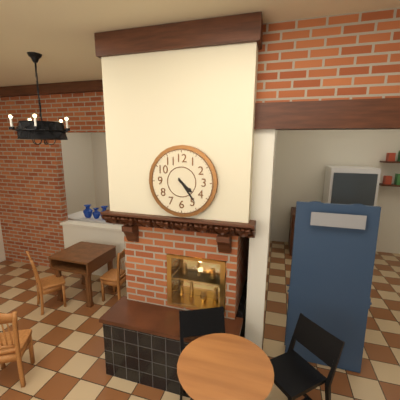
4 h 24 min
